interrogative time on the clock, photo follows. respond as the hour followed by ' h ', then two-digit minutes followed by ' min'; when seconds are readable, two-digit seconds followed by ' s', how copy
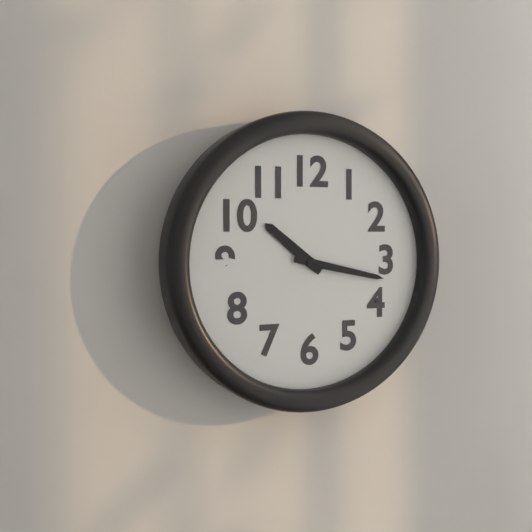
10 h 17 min
